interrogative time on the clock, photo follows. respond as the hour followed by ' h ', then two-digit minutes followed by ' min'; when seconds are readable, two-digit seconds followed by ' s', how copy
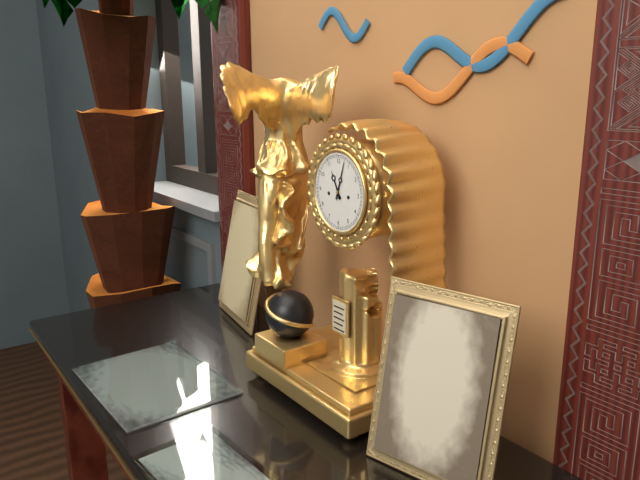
11 h 03 min
